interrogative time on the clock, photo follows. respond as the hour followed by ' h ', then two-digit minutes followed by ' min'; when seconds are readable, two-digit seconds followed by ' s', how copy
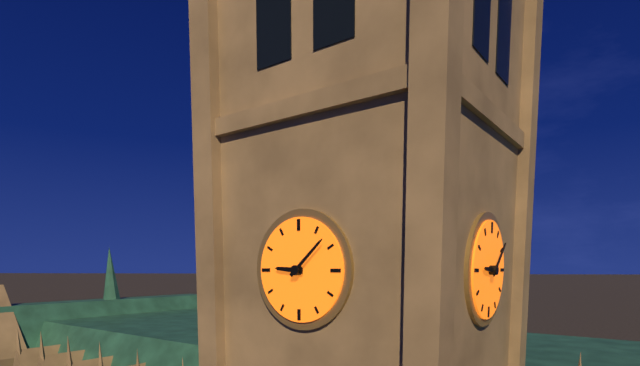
9 h 08 min
